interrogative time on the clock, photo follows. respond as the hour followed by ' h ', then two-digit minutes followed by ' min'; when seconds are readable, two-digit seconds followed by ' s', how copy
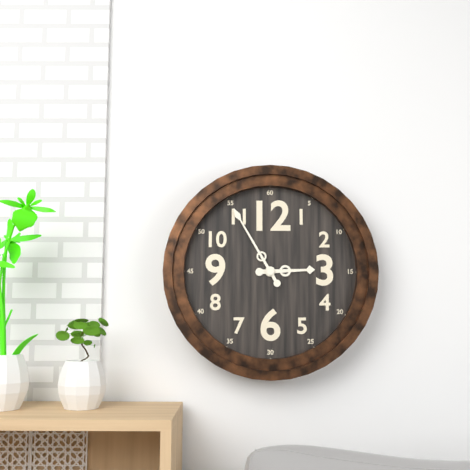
2 h 55 min
